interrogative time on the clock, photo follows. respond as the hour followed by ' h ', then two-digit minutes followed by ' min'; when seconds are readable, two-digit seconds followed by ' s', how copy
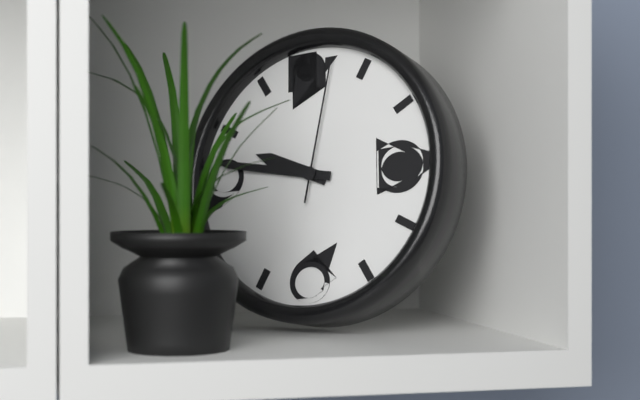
9 h 47 min 02 s
